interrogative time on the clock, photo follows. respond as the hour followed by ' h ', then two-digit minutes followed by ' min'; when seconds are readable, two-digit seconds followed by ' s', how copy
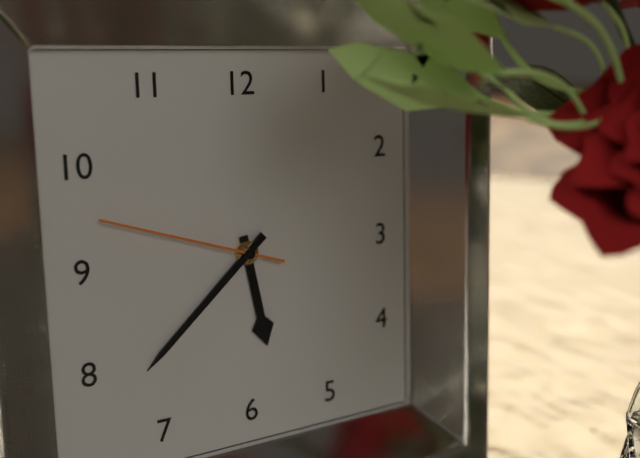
5 h 38 min 48 s
